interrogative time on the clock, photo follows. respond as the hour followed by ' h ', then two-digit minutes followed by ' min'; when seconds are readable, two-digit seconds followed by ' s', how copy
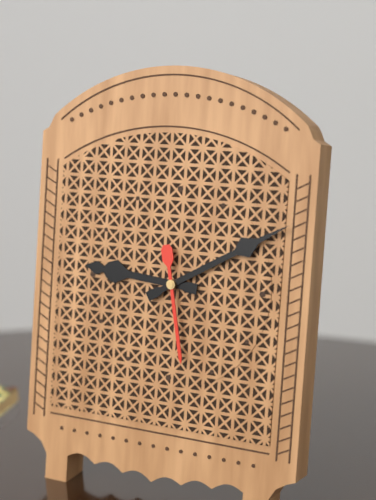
9 h 10 min 28 s
